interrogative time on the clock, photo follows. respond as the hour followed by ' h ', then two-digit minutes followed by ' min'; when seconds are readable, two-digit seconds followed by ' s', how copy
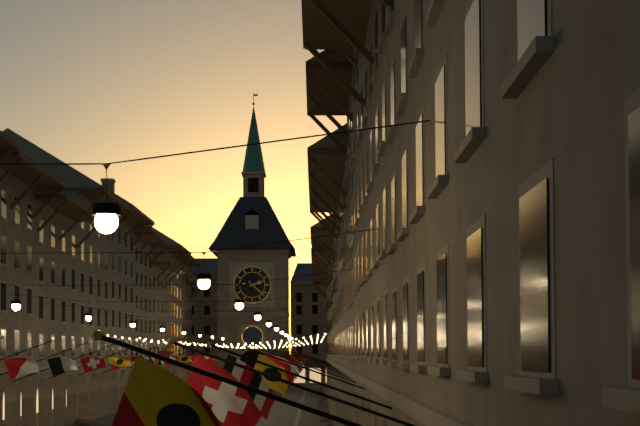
2 h 22 min
